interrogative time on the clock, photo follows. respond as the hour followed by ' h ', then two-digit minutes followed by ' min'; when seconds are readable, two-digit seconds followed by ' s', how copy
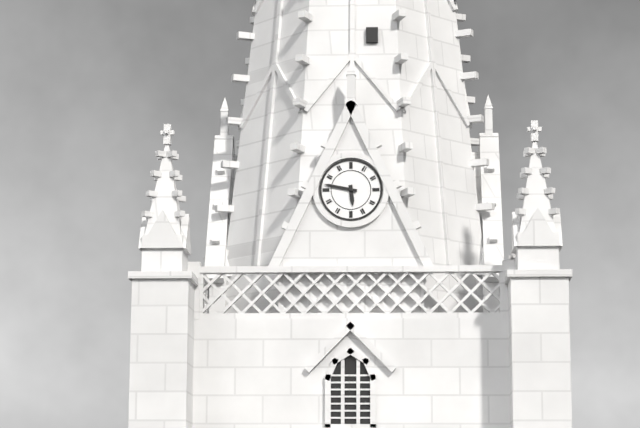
5 h 47 min
